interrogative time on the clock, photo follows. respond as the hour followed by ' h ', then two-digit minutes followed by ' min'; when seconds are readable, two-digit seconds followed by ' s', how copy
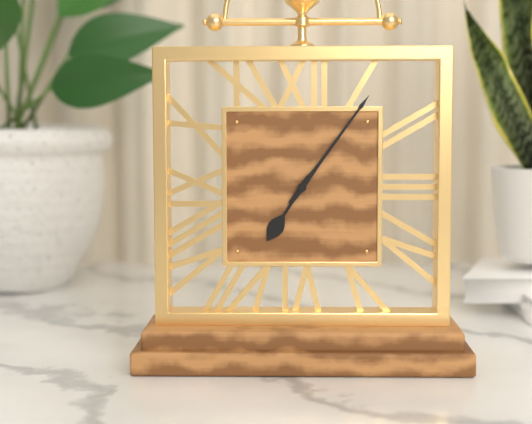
7 h 06 min
